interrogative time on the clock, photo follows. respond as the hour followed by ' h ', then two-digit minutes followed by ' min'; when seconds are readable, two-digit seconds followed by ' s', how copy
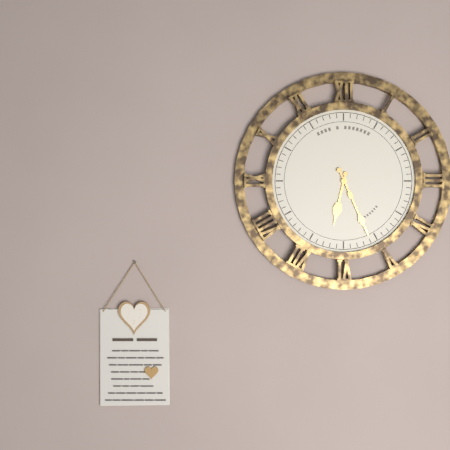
6 h 26 min
